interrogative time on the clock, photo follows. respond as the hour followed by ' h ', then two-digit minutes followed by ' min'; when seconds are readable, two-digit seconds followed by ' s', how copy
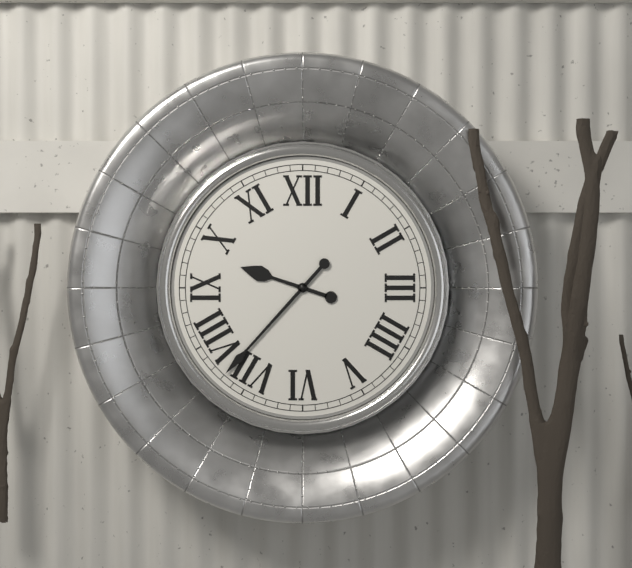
9 h 37 min
